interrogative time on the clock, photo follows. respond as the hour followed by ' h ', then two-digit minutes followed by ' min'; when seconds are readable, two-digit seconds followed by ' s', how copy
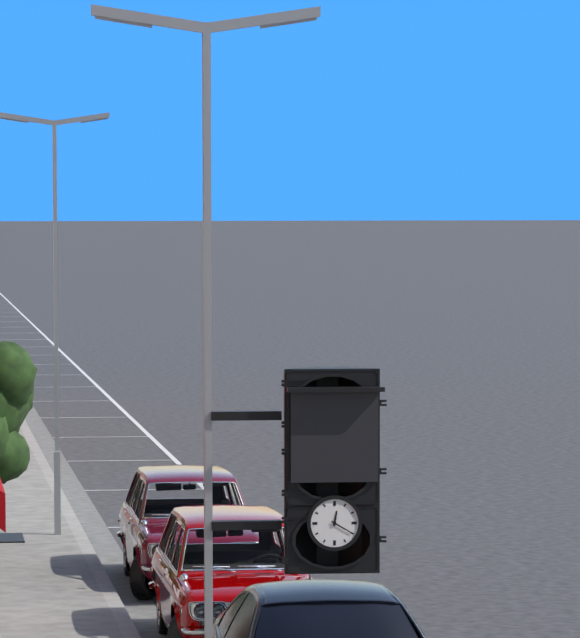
12 h 20 min
